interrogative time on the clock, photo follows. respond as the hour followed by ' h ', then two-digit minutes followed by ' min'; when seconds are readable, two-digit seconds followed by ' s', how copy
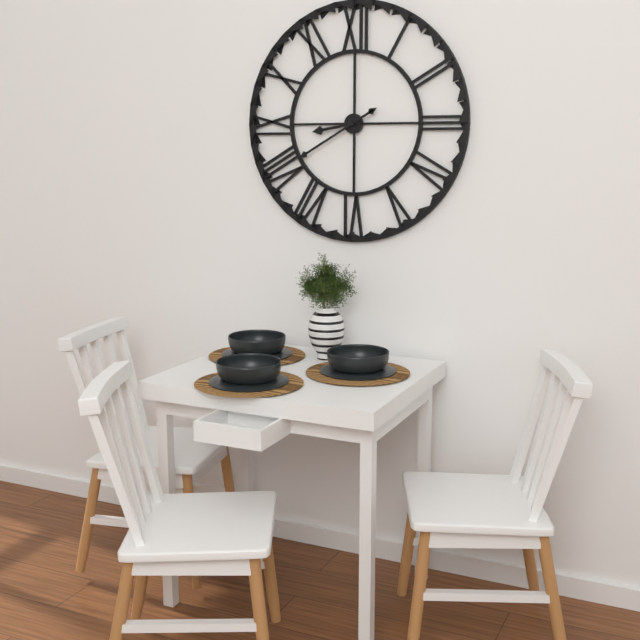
8 h 40 min
